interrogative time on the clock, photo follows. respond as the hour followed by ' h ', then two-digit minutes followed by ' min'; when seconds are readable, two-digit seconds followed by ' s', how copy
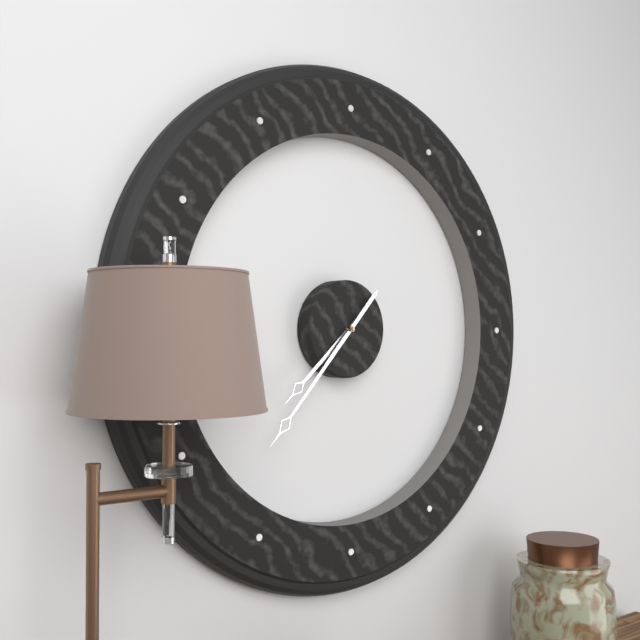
7 h 37 min
